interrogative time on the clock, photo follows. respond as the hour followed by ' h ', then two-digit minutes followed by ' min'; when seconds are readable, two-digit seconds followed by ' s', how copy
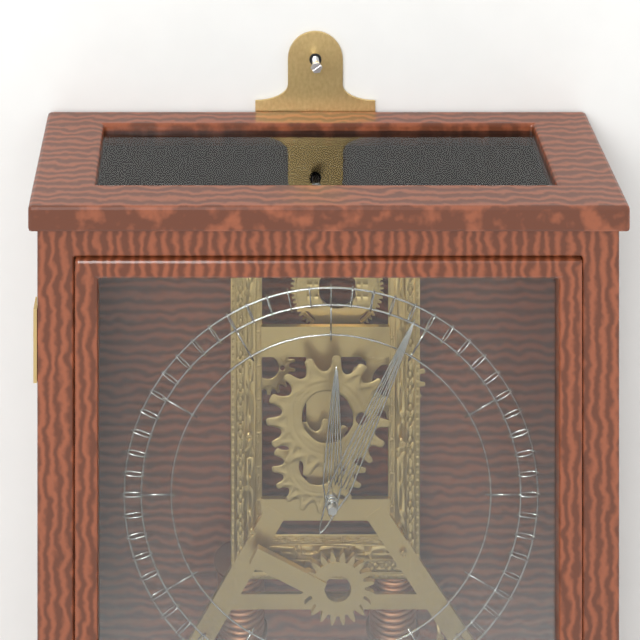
12 h 04 min
